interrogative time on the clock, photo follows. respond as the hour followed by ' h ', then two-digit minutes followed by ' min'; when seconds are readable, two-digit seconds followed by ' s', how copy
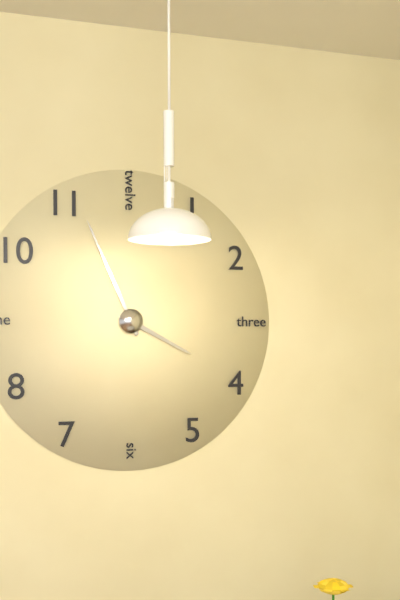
3 h 56 min
